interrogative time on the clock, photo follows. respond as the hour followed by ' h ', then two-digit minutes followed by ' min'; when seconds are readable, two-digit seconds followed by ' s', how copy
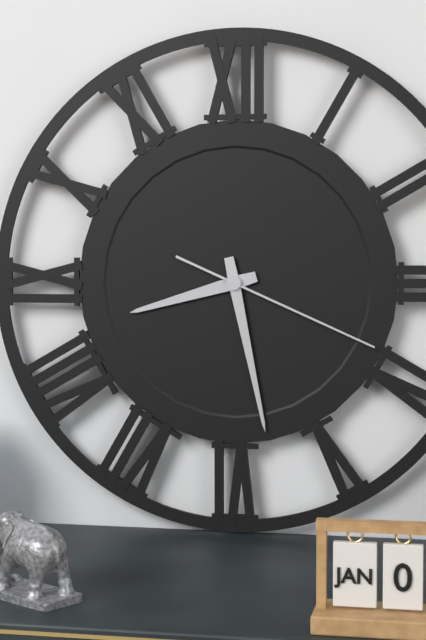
8 h 28 min 19 s
